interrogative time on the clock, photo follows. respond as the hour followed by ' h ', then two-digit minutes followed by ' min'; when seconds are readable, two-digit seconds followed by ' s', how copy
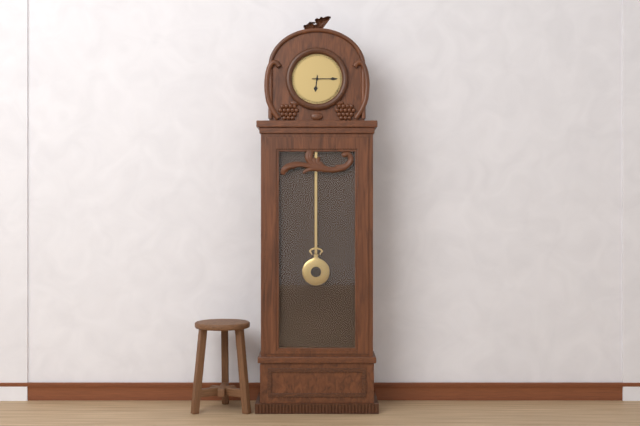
6 h 15 min
